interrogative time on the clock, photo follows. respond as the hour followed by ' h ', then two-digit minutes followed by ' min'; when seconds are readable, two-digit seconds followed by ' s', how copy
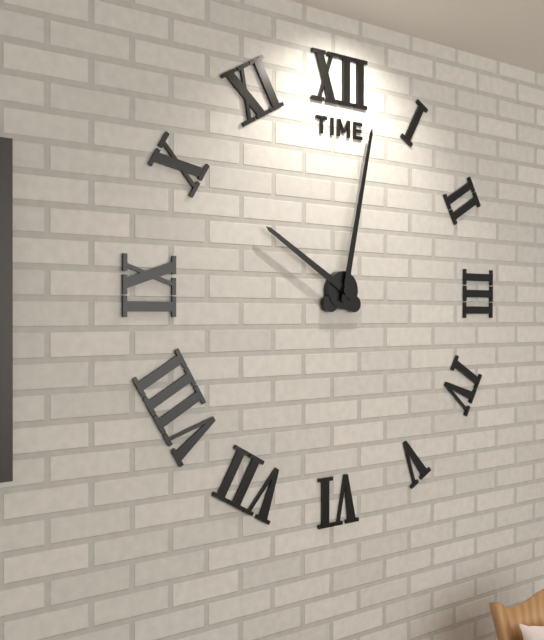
10 h 02 min
